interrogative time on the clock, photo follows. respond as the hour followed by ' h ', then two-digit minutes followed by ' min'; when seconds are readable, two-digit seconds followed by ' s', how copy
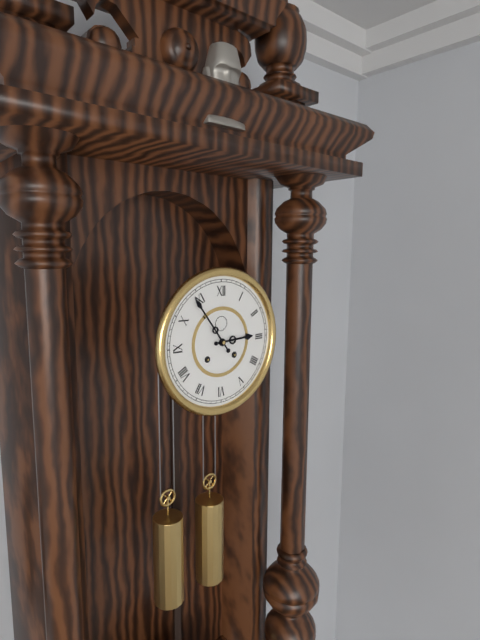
2 h 54 min
